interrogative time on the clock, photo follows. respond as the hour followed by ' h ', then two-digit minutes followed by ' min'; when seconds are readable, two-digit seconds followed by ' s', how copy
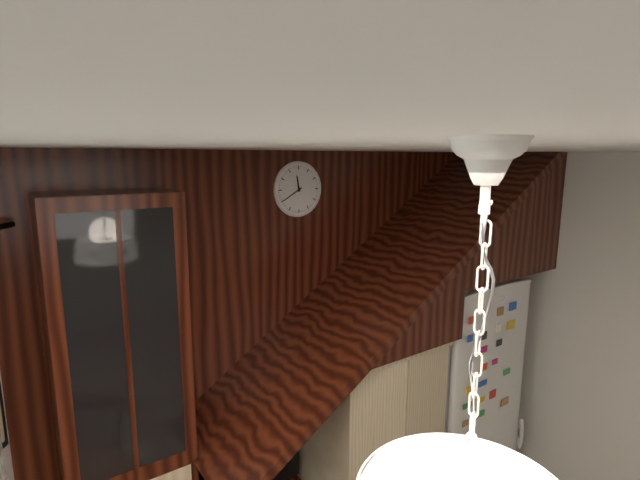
11 h 40 min
